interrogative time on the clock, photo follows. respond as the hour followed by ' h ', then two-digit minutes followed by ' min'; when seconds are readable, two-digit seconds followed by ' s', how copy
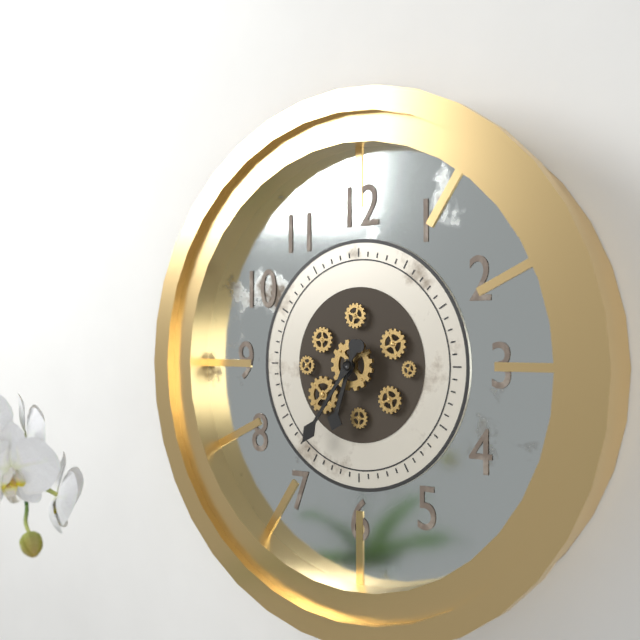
6 h 36 min
